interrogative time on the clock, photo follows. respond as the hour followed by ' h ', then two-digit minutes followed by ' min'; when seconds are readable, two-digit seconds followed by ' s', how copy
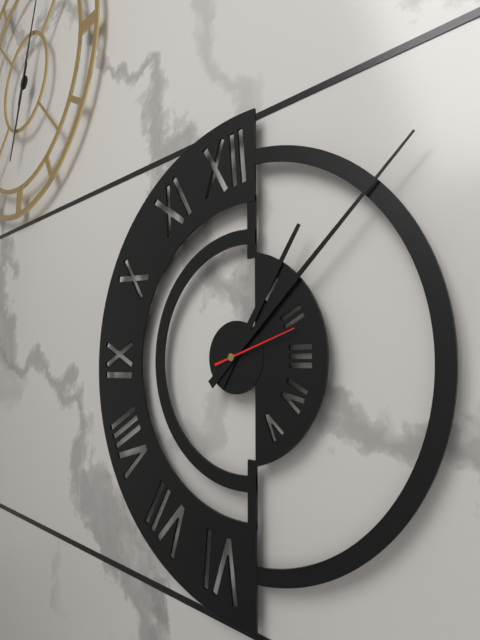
1 h 08 min 12 s
